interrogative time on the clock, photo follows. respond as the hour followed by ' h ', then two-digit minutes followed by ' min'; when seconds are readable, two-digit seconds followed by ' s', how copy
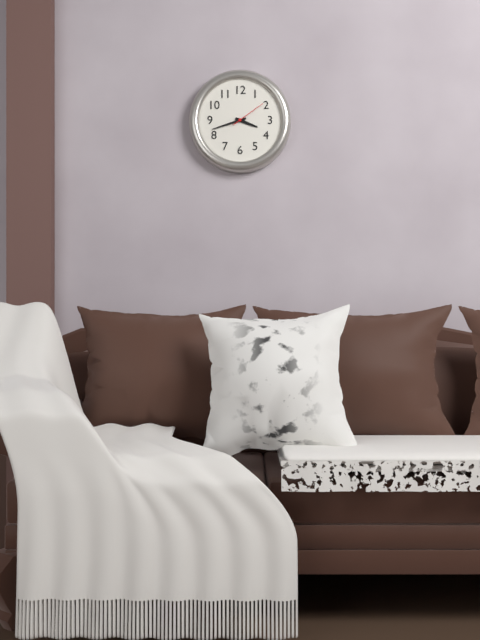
3 h 42 min
